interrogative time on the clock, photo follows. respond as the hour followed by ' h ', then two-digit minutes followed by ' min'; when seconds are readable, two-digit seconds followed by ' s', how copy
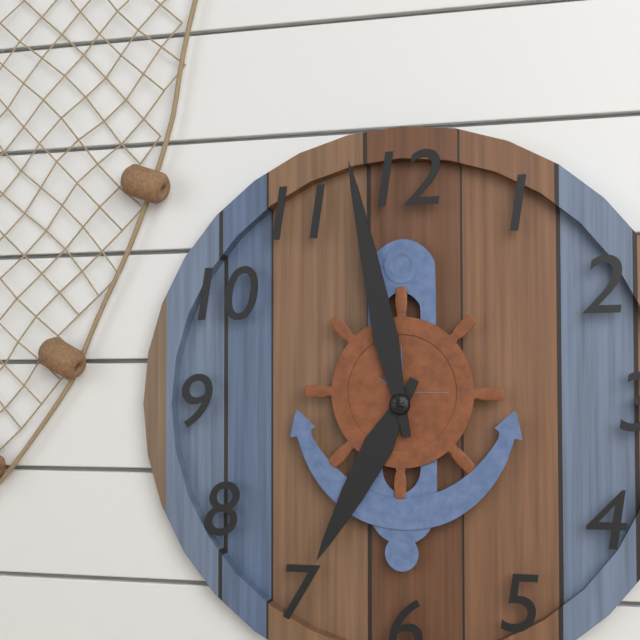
6 h 58 min
